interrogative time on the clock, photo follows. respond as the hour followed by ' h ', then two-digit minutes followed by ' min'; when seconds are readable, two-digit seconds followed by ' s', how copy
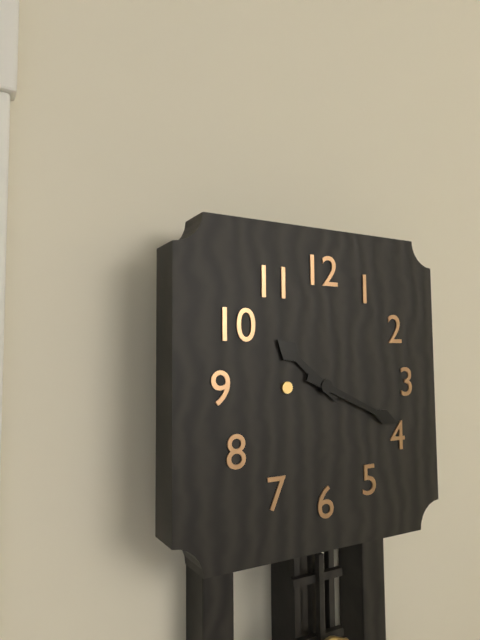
10 h 19 min
